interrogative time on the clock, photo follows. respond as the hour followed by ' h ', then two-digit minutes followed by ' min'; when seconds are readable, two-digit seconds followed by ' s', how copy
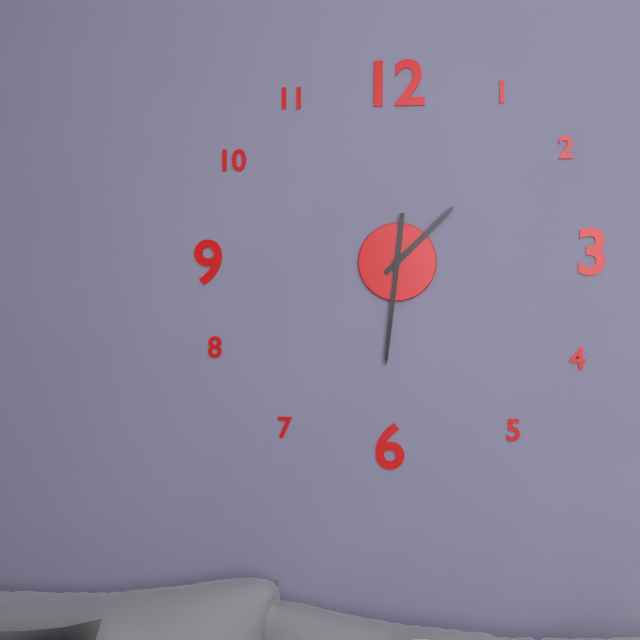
1 h 31 min
